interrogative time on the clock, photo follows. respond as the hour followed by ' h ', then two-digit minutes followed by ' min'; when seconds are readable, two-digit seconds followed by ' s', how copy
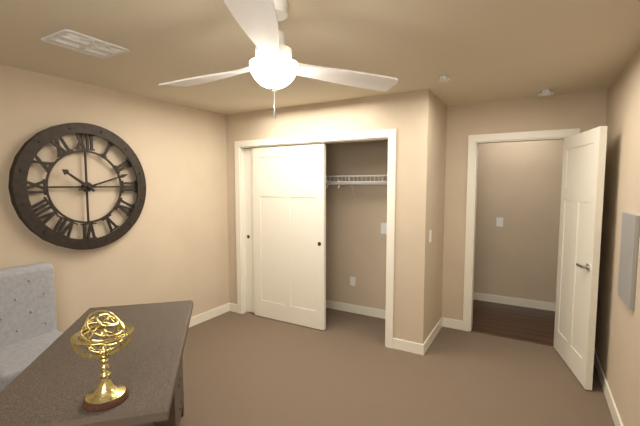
10 h 12 min
